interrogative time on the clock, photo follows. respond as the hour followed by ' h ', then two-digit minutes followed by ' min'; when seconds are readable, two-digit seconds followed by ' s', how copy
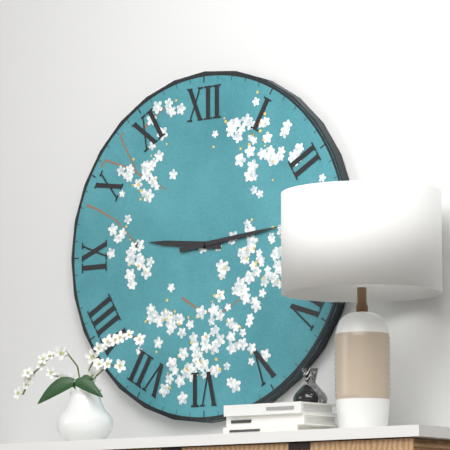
9 h 14 min
